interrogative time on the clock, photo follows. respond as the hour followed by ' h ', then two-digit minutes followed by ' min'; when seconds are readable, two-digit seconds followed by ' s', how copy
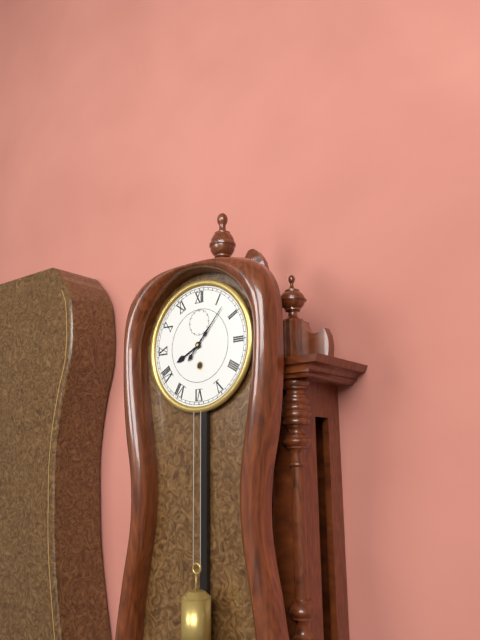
8 h 07 min
